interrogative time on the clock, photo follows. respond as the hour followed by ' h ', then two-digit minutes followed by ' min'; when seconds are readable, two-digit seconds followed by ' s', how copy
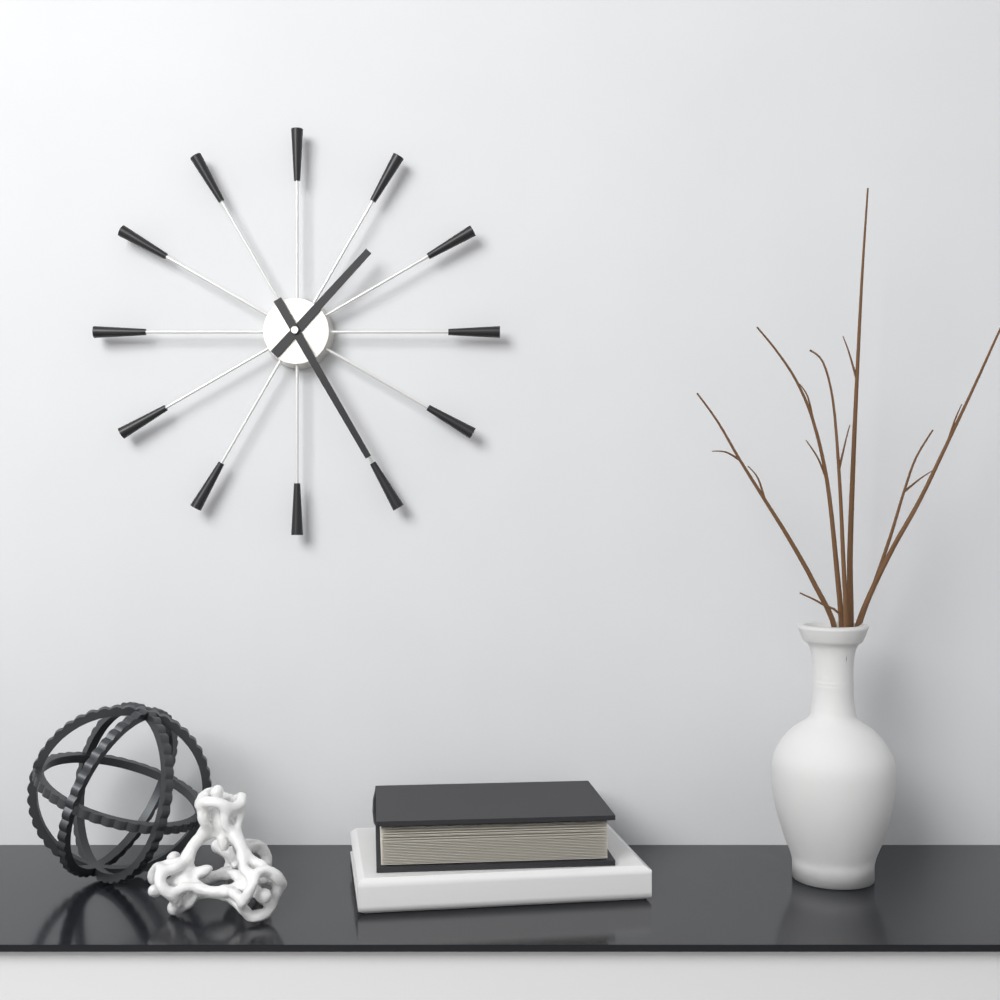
1 h 25 min
